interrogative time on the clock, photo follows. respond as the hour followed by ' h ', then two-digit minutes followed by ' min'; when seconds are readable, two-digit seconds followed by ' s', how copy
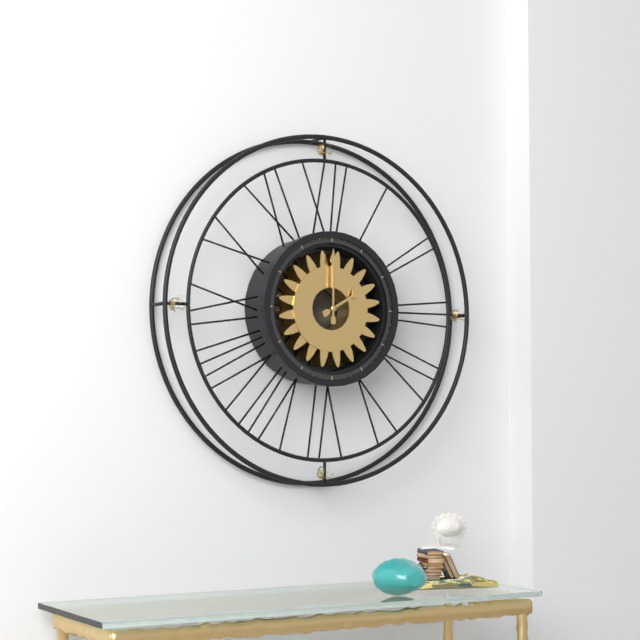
2 h 00 min
